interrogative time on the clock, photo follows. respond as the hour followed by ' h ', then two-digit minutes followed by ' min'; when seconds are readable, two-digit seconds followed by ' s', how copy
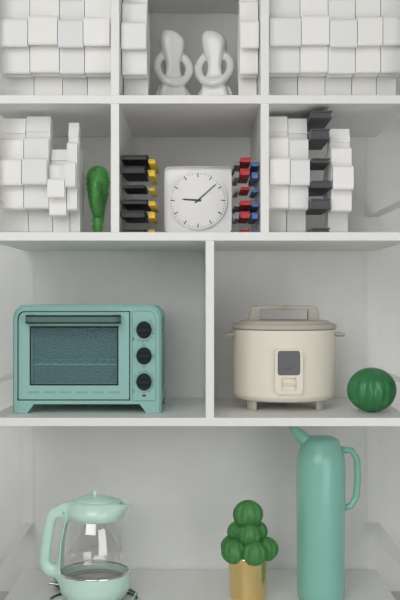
9 h 08 min
